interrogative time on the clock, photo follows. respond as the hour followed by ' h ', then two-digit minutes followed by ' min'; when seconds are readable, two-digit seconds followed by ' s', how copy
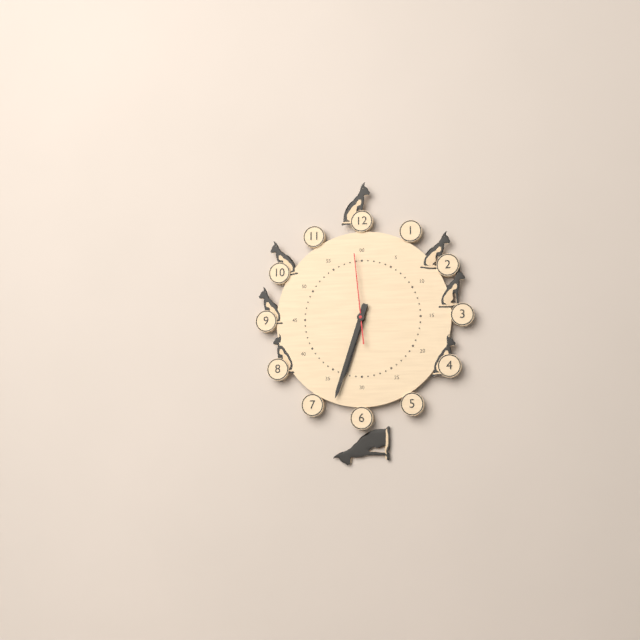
6 h 33 min 59 s
